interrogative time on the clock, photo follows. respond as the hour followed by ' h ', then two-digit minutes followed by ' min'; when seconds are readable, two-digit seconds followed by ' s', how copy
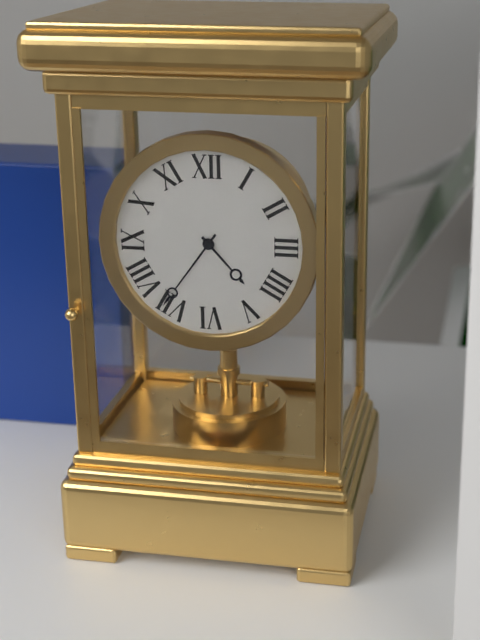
4 h 36 min
